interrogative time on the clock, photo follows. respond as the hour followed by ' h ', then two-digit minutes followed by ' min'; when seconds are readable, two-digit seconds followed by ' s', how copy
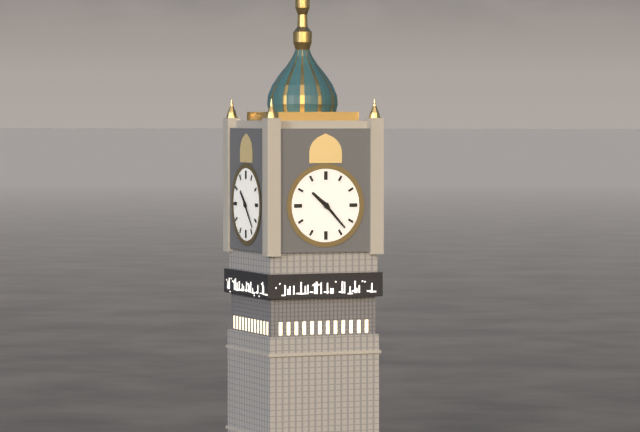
10 h 23 min
